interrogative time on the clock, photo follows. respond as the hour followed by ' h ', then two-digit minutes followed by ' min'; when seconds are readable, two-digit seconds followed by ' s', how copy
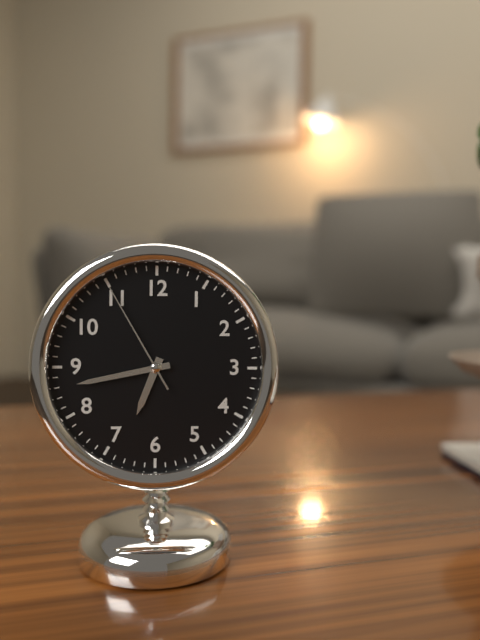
6 h 43 min 55 s
